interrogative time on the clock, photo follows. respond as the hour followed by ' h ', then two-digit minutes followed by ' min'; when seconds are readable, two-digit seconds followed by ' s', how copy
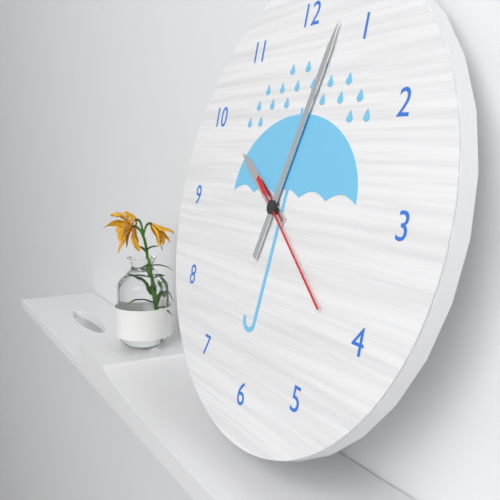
10 h 03 min 21 s
